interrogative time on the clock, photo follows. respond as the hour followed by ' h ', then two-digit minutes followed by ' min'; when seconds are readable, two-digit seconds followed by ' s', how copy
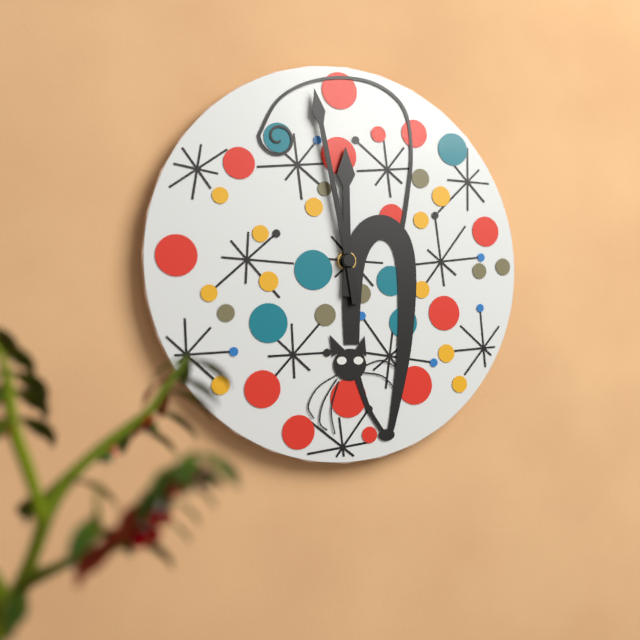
11 h 58 min
